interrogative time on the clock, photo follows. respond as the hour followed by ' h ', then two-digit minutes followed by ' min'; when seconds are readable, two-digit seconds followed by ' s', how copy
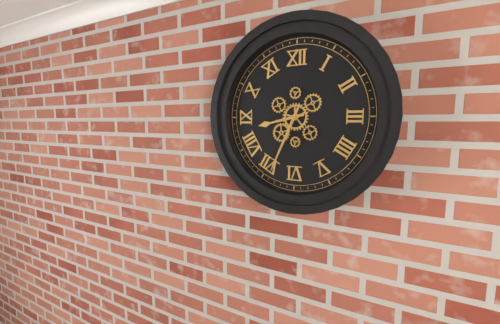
8 h 34 min
